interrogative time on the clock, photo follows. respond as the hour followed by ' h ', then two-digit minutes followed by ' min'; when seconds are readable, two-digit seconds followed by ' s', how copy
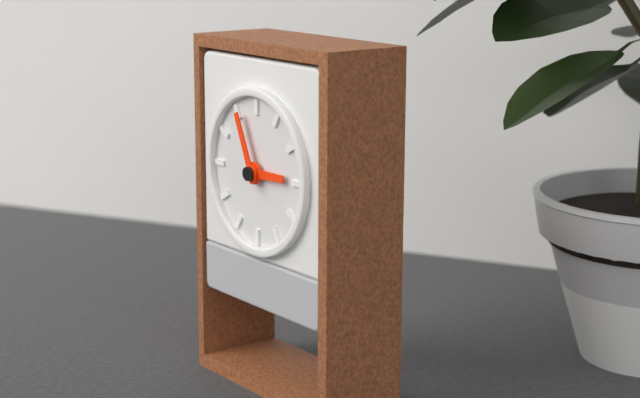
2 h 56 min
